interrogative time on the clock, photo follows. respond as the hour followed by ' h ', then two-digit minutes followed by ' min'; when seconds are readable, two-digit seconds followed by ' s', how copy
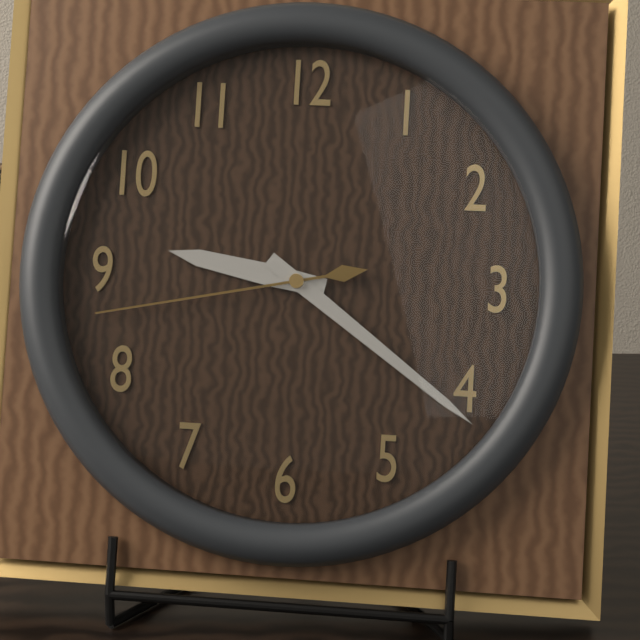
9 h 21 min 43 s
